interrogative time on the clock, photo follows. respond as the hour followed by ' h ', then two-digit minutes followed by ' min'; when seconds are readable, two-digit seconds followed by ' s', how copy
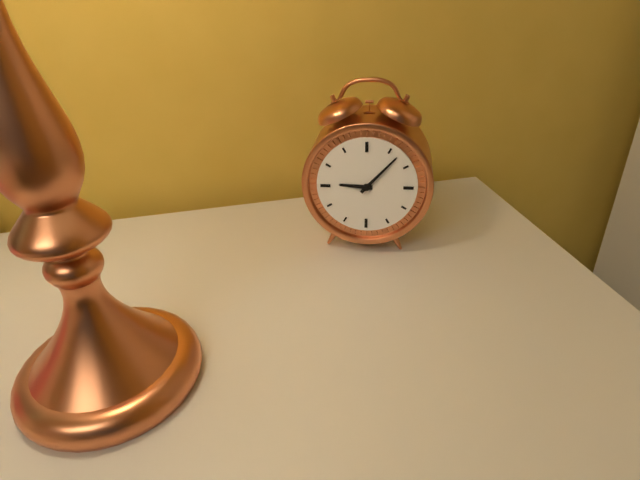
9 h 07 min
